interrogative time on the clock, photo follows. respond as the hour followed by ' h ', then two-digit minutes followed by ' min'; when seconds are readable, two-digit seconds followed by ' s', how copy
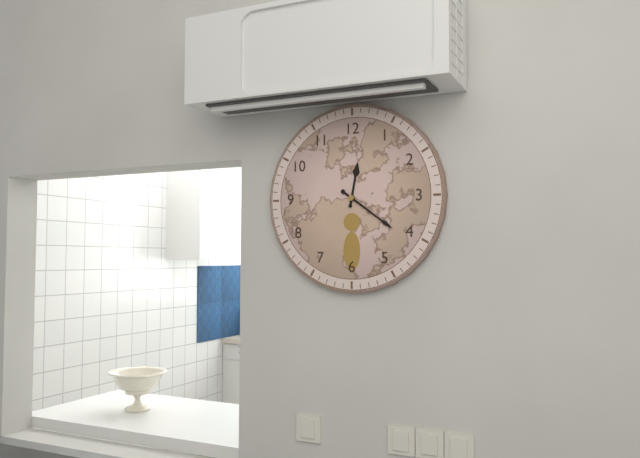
12 h 21 min
